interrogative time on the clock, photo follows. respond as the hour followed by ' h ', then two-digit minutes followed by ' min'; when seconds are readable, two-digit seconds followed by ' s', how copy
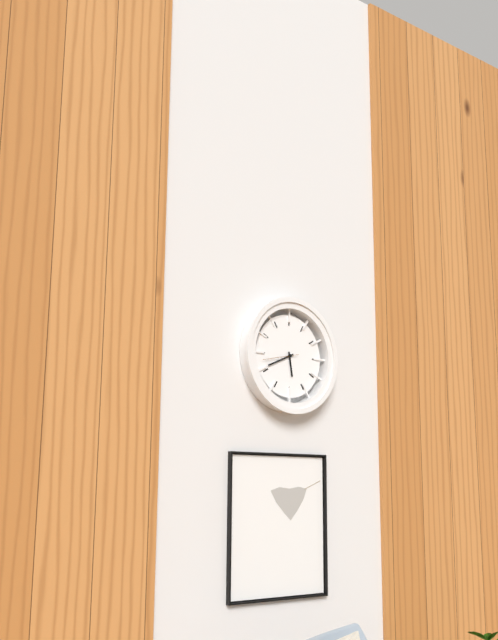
5 h 41 min
